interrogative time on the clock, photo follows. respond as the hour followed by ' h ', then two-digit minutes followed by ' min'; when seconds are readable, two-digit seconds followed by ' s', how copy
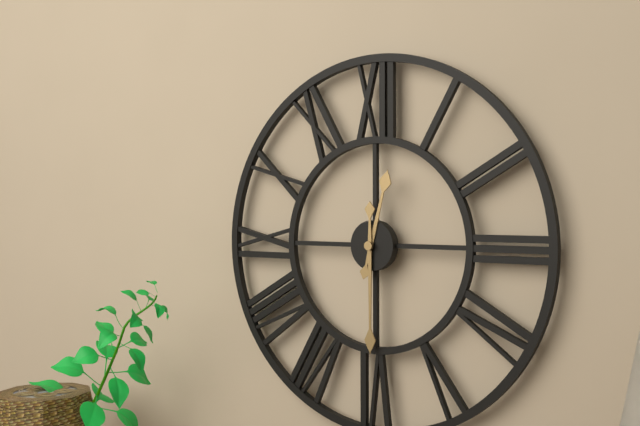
12 h 30 min
